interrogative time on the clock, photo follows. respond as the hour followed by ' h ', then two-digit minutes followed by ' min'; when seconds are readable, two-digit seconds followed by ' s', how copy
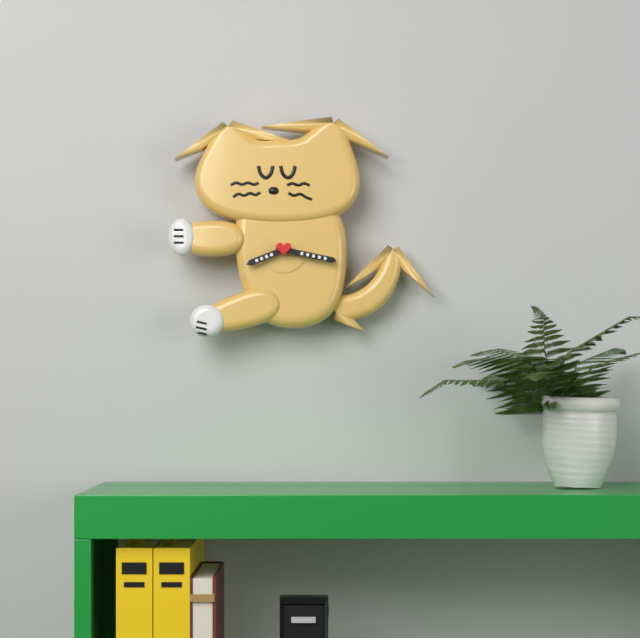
8 h 17 min
